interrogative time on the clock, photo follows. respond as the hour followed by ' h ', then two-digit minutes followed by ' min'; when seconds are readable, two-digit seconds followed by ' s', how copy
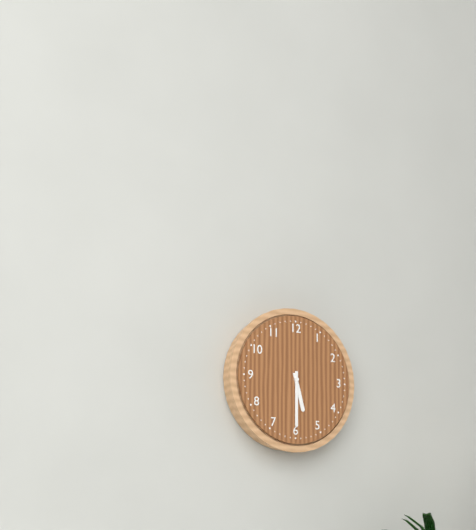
5 h 30 min
